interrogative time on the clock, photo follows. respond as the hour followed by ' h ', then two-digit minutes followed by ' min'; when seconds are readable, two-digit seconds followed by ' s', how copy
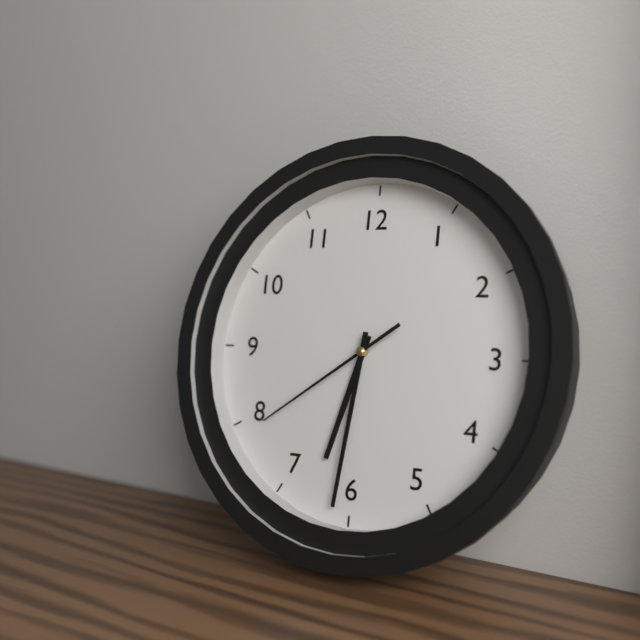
6 h 31 min 39 s
